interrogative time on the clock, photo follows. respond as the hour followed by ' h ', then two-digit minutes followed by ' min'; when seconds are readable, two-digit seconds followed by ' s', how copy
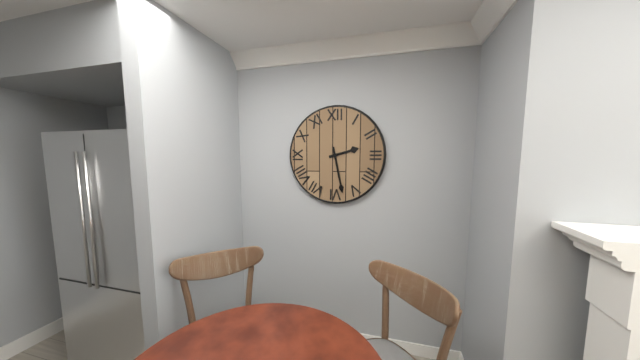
2 h 28 min
